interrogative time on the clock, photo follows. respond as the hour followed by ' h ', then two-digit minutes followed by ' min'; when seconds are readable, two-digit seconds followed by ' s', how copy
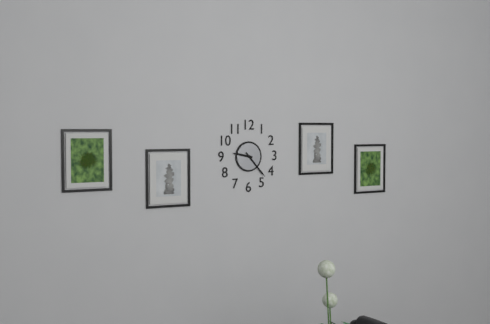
9 h 23 min
